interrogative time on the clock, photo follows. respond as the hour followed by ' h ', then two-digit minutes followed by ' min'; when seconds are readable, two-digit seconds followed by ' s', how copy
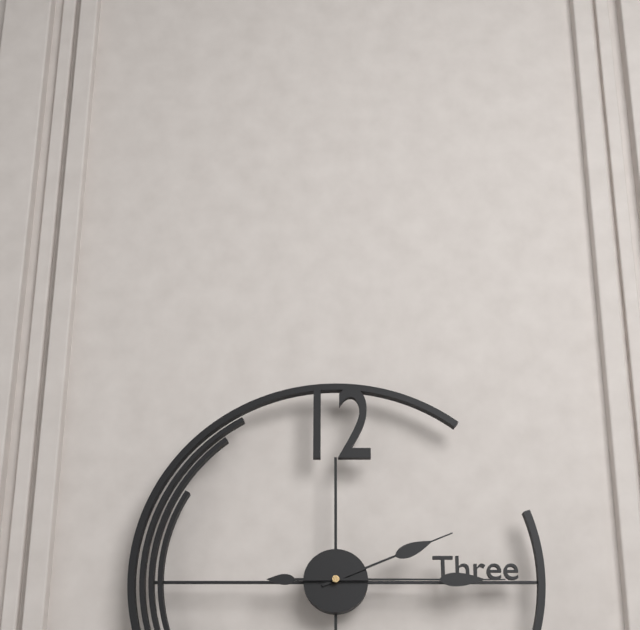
2 h 15 min
